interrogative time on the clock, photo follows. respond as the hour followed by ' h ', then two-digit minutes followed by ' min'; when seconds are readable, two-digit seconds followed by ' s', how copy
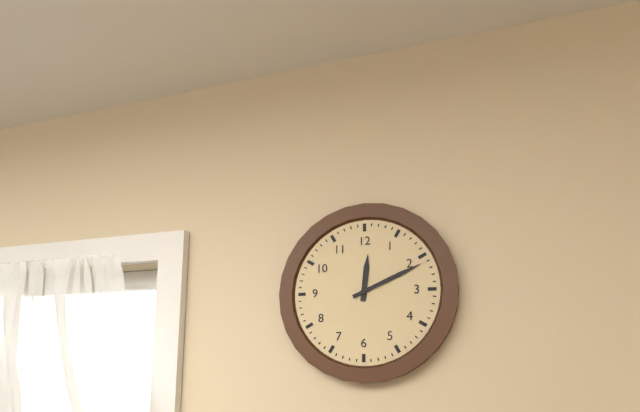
12 h 11 min
